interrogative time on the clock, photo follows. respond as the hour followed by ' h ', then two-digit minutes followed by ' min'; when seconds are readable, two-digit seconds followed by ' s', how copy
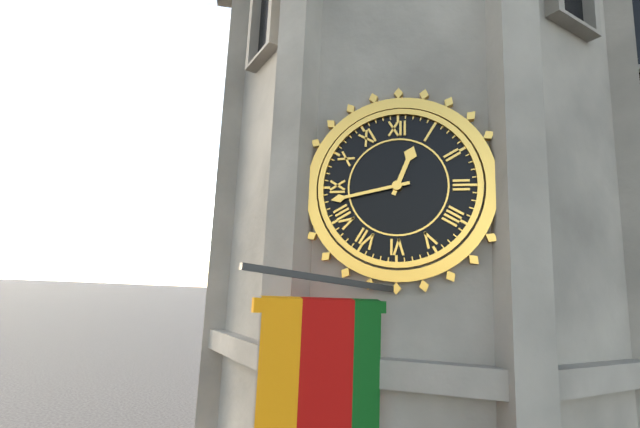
12 h 43 min
